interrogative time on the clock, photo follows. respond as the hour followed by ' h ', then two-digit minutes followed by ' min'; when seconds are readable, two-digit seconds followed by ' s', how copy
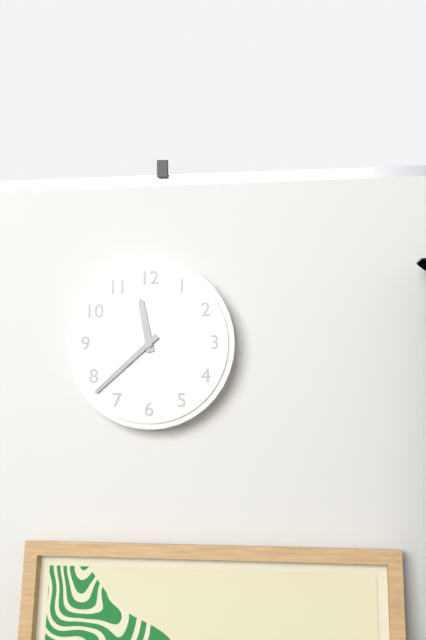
11 h 38 min
